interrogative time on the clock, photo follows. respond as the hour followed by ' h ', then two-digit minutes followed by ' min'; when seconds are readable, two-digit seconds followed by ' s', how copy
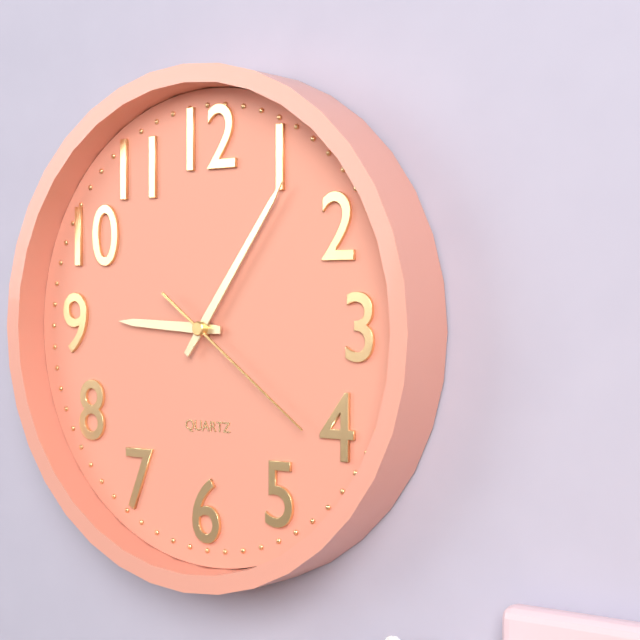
9 h 06 min 21 s
